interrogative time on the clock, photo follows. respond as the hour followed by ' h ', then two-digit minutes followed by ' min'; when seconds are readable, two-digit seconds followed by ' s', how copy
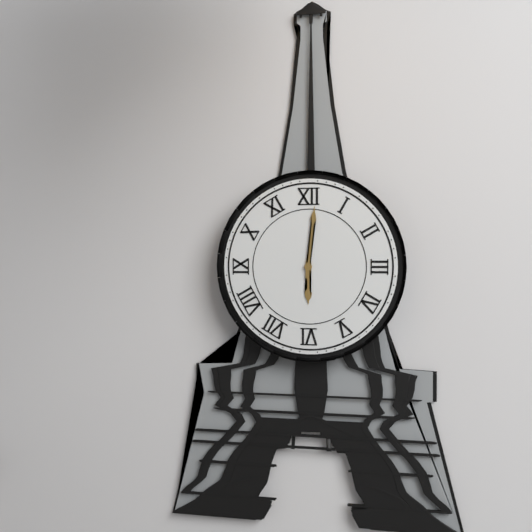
6 h 01 min
